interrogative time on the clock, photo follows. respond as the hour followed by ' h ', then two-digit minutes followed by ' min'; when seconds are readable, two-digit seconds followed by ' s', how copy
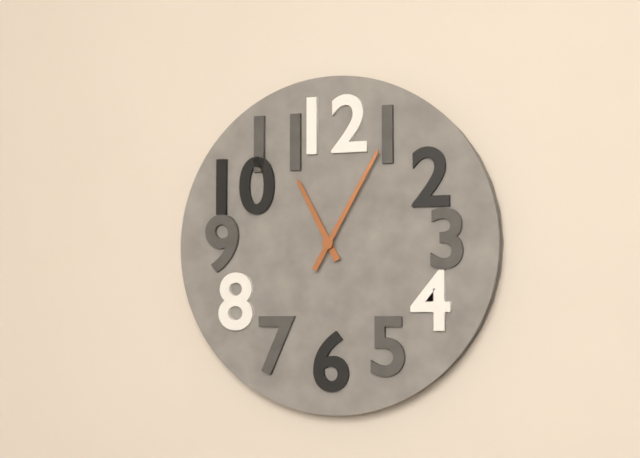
11 h 05 min
